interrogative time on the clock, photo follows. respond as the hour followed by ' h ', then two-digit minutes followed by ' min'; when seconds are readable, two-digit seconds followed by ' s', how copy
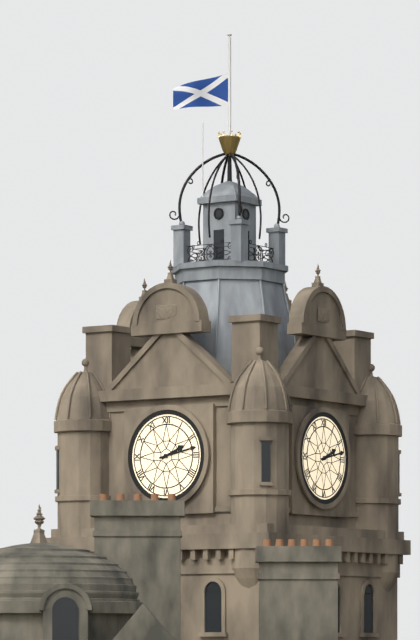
2 h 13 min
